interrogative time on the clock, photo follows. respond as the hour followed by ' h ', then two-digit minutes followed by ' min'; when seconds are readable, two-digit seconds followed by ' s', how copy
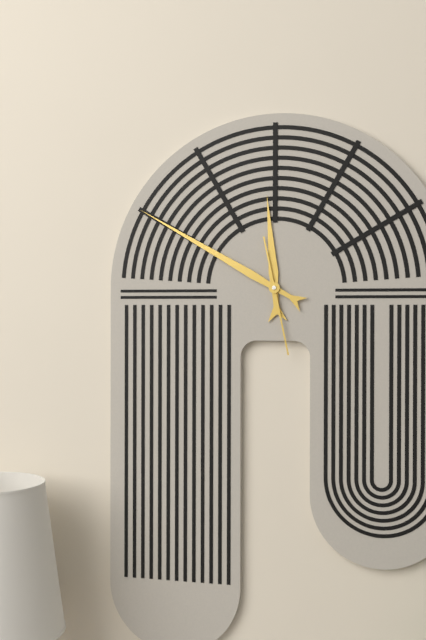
11 h 50 min 28 s
